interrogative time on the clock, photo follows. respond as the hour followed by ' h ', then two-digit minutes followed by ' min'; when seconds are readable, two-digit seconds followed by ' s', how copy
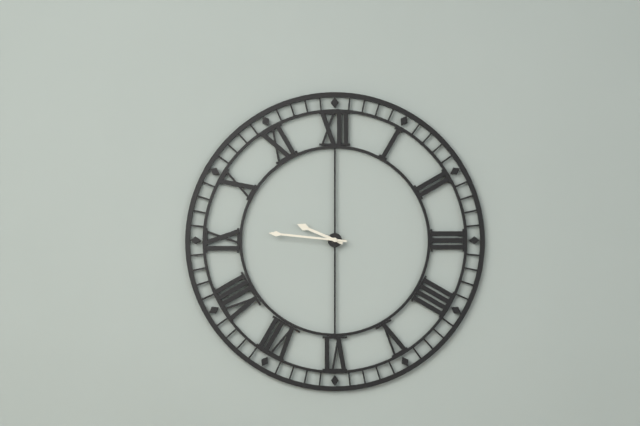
9 h 46 min
